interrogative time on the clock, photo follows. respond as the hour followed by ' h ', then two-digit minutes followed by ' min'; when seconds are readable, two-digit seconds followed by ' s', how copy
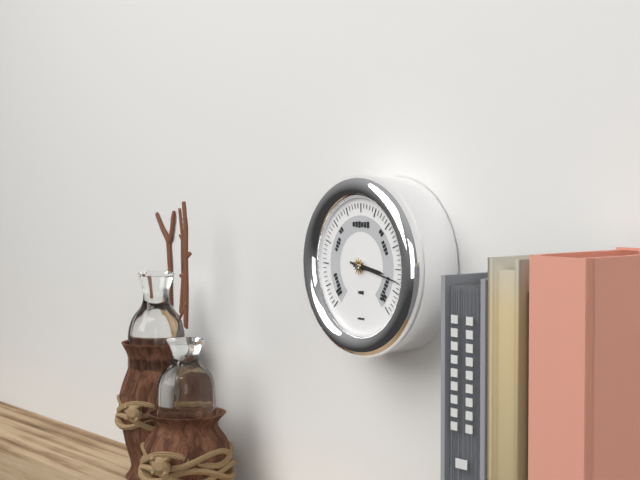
3 h 17 min
